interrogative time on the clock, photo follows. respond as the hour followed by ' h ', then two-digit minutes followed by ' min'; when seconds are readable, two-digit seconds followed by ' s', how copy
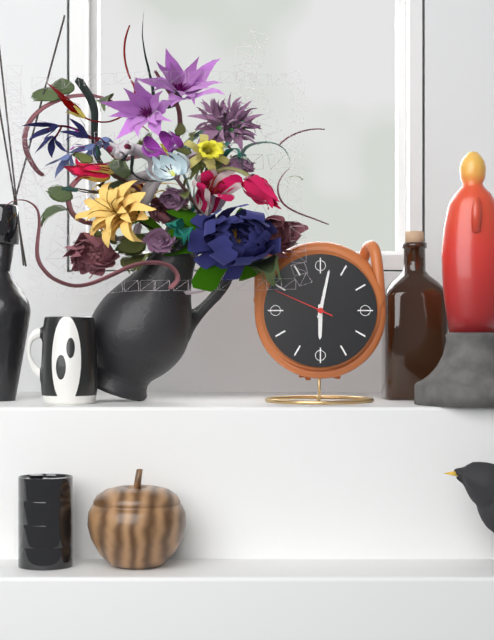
6 h 02 min 49 s
